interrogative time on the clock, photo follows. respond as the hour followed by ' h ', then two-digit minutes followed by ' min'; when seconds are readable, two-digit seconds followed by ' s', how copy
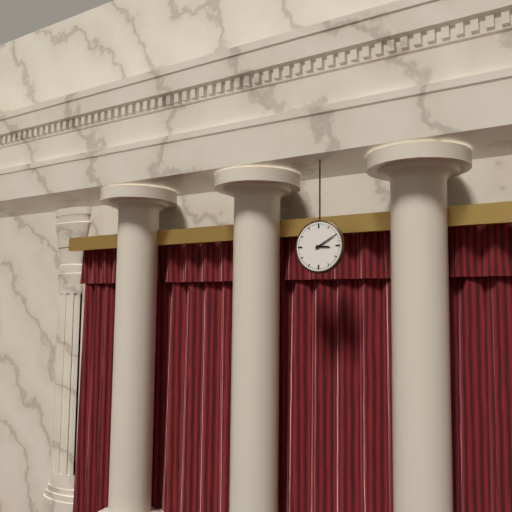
3 h 10 min
